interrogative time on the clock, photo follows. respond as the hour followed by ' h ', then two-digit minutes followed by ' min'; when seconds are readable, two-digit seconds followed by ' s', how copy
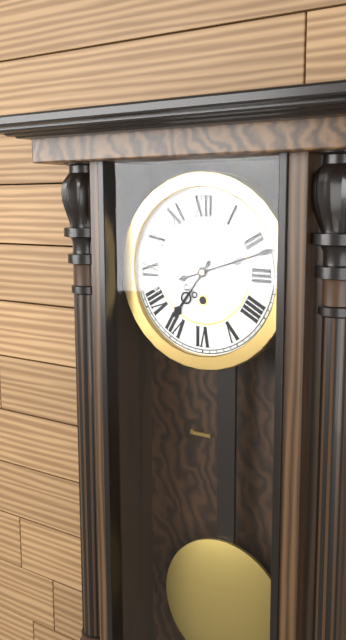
7 h 12 min
